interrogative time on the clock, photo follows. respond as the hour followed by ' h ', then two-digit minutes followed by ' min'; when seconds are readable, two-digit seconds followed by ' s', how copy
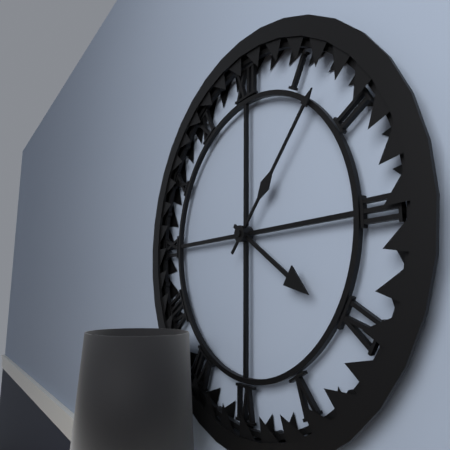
4 h 07 min
